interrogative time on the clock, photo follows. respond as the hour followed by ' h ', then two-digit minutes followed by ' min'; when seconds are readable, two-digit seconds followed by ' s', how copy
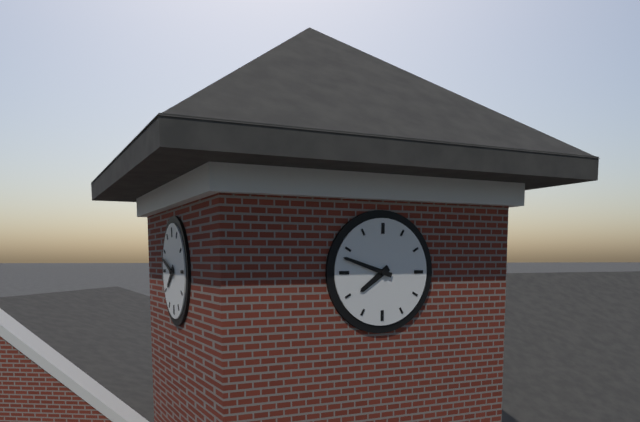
7 h 48 min
